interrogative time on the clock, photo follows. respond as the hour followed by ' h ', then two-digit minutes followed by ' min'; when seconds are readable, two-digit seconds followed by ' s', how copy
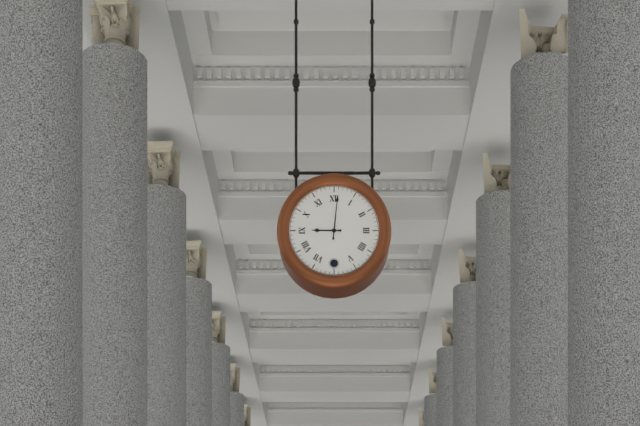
9 h 01 min
